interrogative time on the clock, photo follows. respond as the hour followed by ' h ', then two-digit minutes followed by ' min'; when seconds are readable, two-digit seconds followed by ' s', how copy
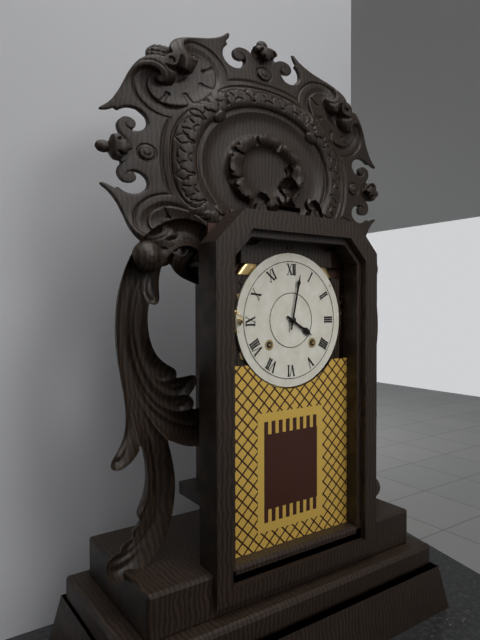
4 h 02 min
